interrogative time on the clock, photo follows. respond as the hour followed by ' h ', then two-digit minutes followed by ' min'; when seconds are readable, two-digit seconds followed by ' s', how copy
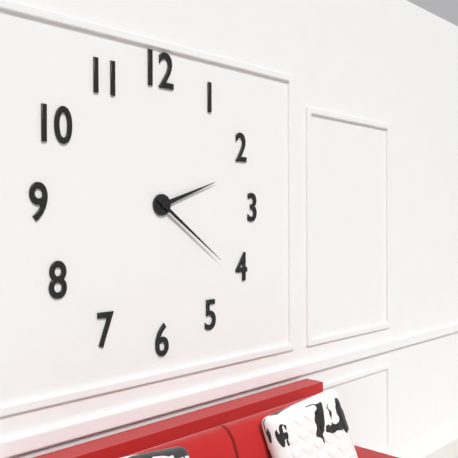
2 h 21 min
